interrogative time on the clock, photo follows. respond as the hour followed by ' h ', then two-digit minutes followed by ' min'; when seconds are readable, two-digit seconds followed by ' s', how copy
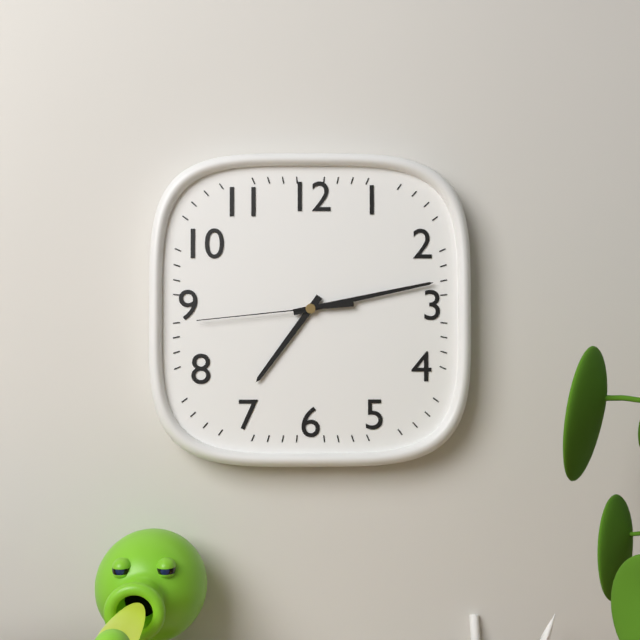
7 h 13 min 44 s
